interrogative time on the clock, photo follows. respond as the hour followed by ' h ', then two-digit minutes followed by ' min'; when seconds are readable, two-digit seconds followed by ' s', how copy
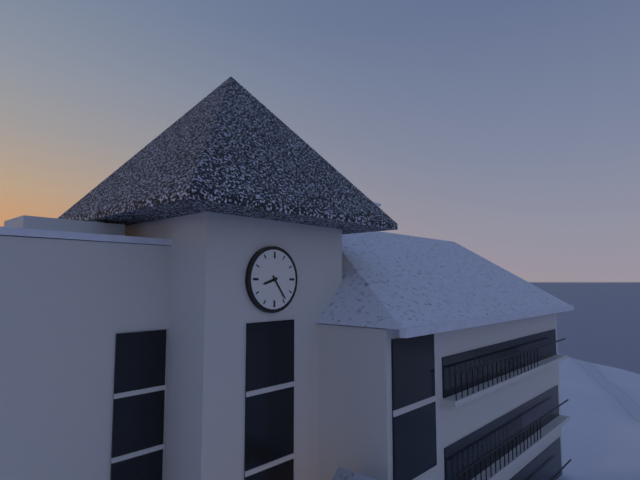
8 h 24 min
